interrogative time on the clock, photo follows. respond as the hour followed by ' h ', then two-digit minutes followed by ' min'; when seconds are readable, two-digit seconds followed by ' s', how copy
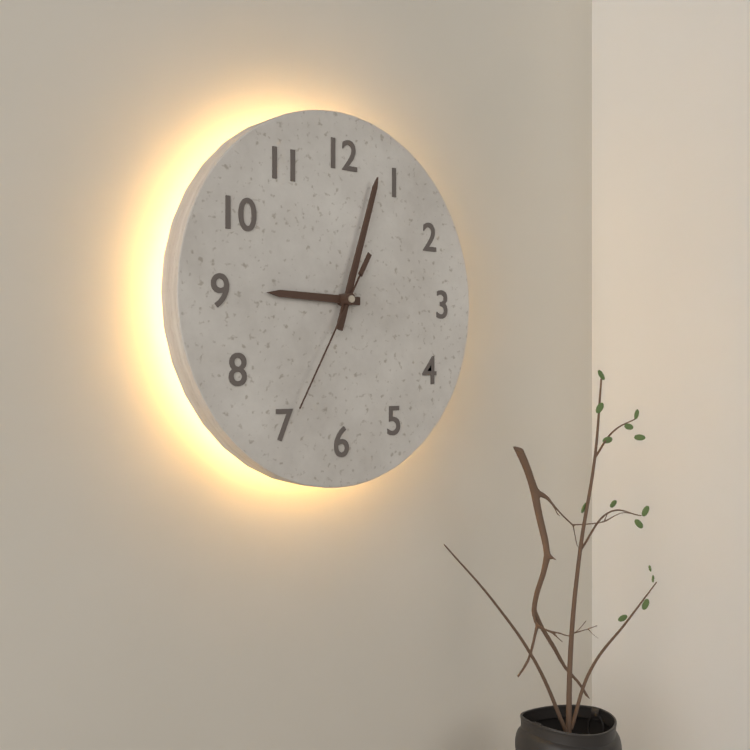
9 h 03 min 35 s
